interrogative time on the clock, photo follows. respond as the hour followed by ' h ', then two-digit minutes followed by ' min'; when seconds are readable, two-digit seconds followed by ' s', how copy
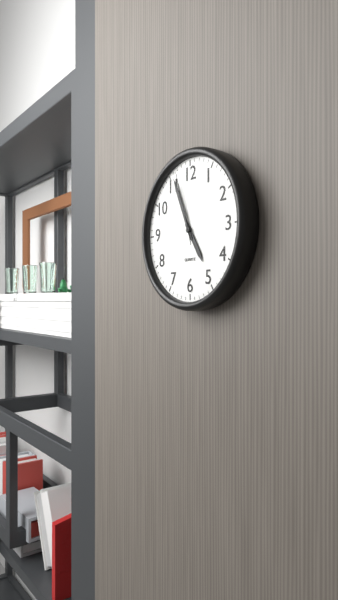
4 h 56 min 57 s
